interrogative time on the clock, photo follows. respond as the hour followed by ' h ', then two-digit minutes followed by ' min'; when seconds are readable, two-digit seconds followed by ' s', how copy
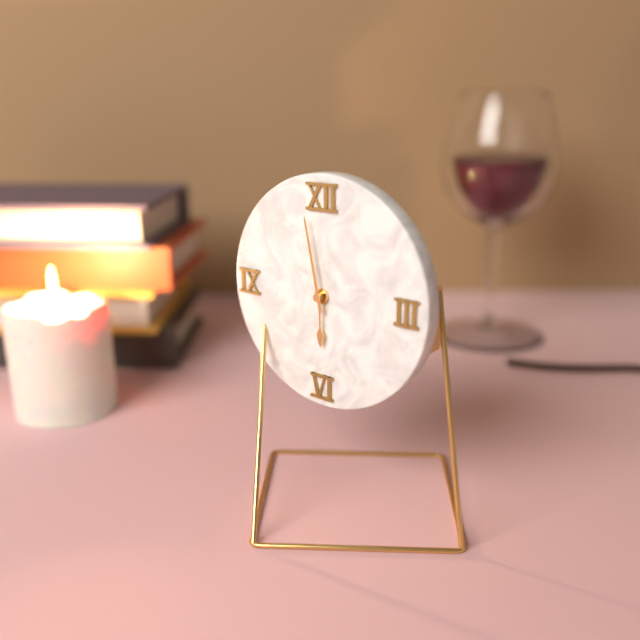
5 h 58 min
